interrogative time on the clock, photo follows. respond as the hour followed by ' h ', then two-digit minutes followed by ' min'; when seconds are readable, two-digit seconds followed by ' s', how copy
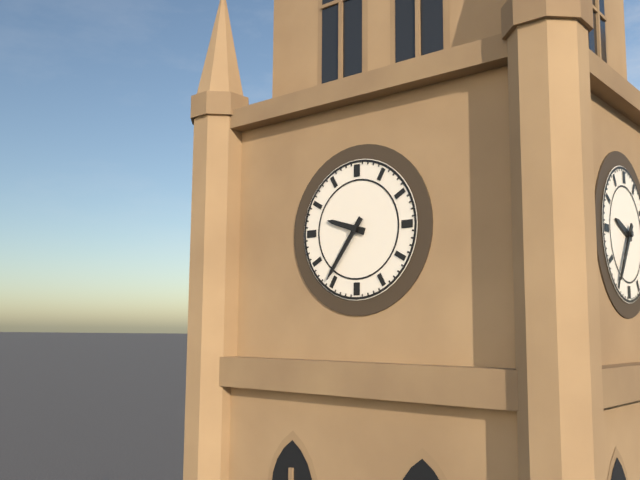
9 h 36 min
